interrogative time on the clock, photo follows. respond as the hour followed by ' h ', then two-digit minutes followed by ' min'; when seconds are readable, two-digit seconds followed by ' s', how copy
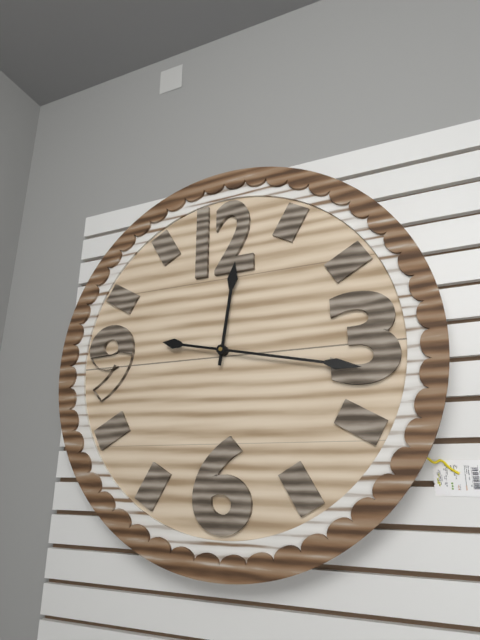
12 h 17 min
